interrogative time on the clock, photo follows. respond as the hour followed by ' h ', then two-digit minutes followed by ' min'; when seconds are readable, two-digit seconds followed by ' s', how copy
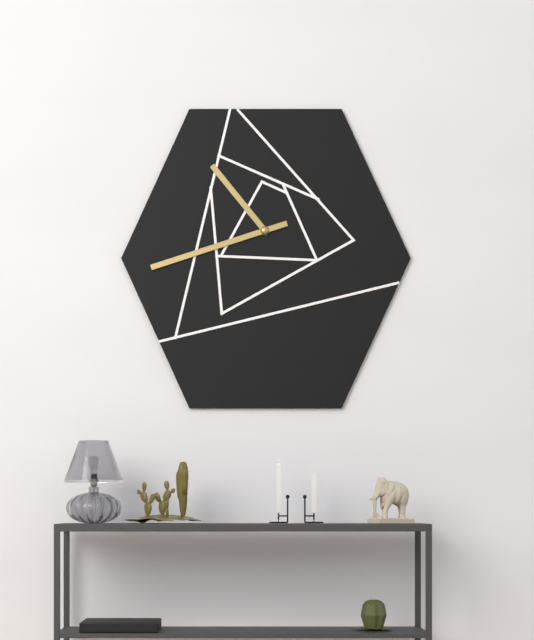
10 h 42 min
